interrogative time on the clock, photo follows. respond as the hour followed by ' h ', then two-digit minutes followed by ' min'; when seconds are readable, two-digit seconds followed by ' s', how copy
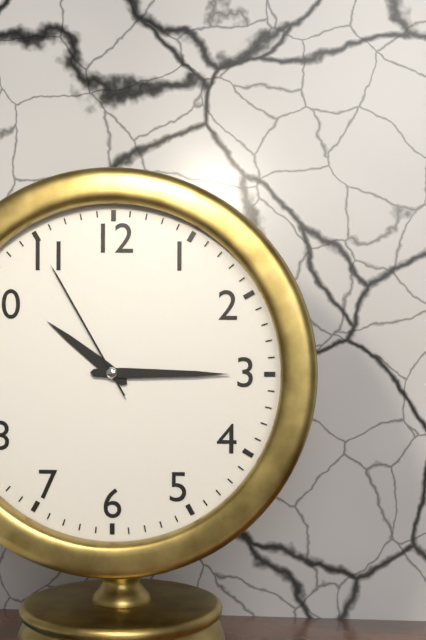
10 h 15 min 55 s
